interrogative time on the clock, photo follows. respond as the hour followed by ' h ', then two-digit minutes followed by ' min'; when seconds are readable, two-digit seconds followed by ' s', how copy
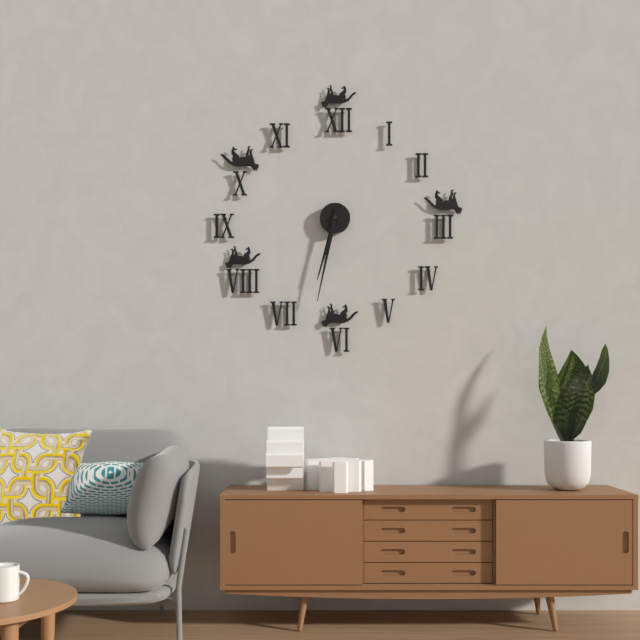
6 h 32 min
